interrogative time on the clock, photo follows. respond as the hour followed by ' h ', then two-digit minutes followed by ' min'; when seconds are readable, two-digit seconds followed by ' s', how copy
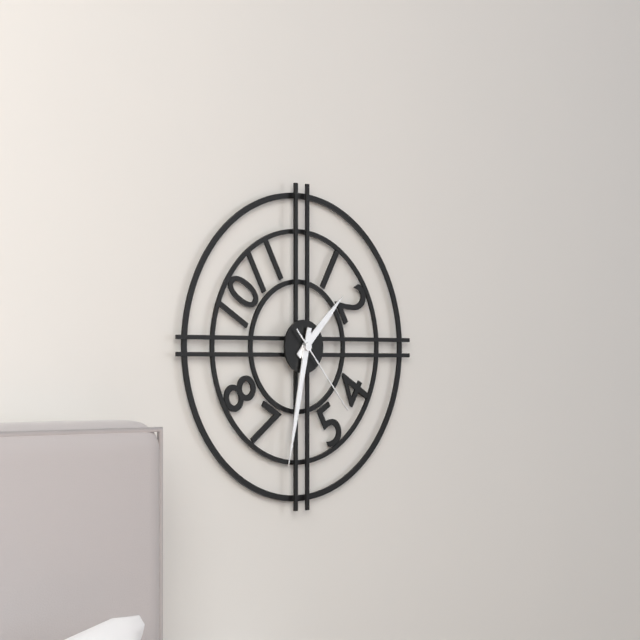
1 h 32 min 23 s
